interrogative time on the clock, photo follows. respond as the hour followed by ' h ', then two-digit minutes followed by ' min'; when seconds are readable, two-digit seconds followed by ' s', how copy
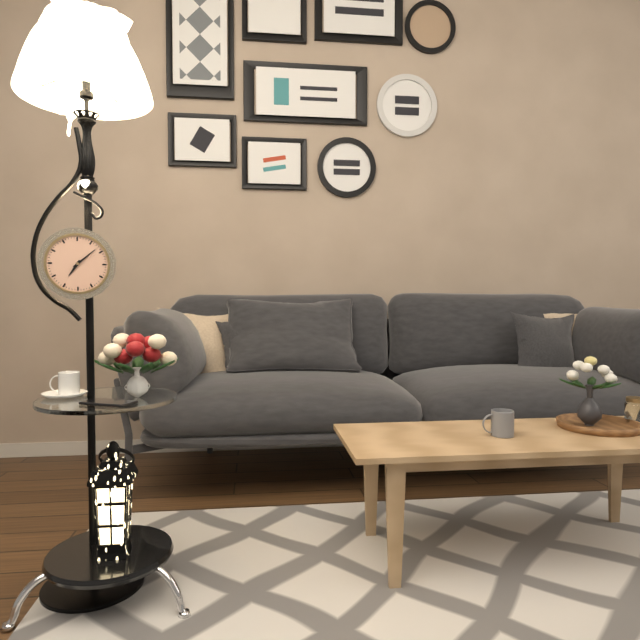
7 h 08 min
